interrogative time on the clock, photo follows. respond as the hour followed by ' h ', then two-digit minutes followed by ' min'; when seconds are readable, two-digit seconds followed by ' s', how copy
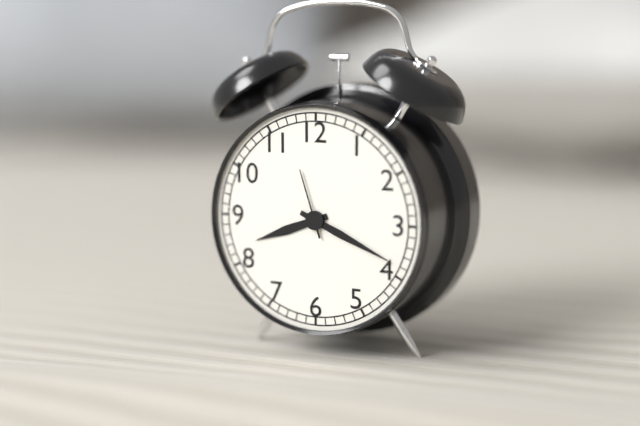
8 h 19 min 57 s
